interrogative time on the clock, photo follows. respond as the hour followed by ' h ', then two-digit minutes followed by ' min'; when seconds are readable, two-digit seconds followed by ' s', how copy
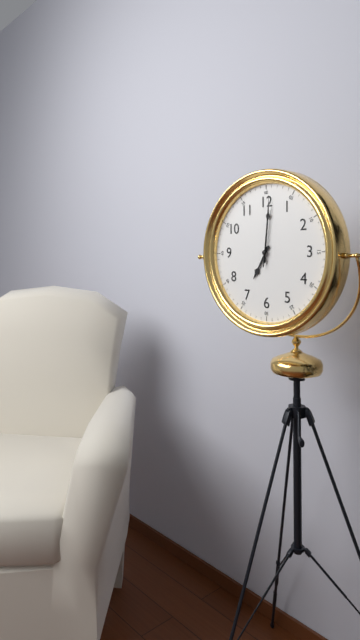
7 h 01 min 01 s
